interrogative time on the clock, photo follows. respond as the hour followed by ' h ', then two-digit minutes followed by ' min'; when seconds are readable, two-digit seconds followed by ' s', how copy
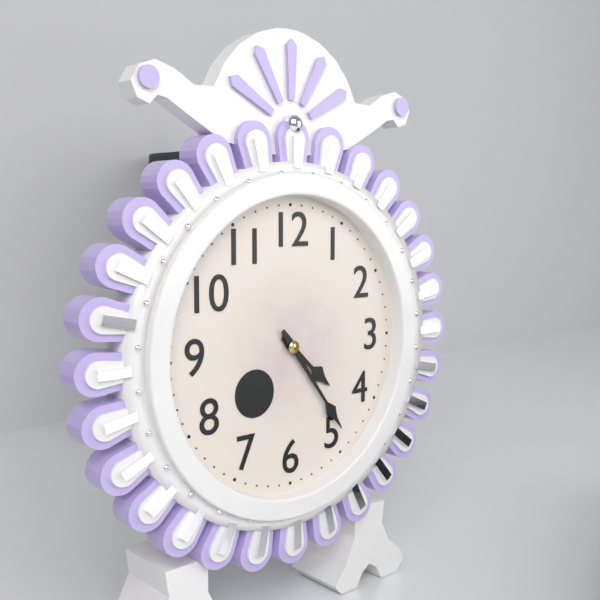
4 h 24 min
